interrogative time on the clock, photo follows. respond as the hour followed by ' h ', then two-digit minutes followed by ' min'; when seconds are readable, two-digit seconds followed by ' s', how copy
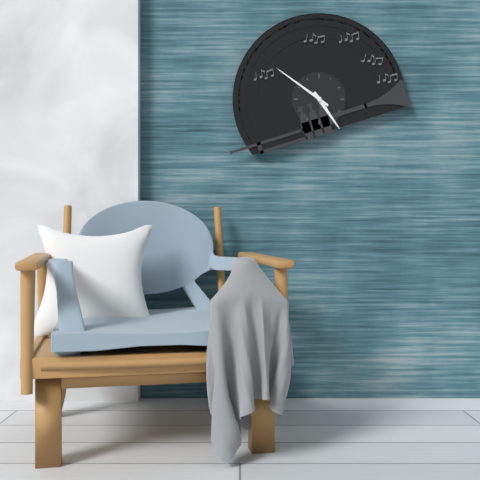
4 h 51 min
